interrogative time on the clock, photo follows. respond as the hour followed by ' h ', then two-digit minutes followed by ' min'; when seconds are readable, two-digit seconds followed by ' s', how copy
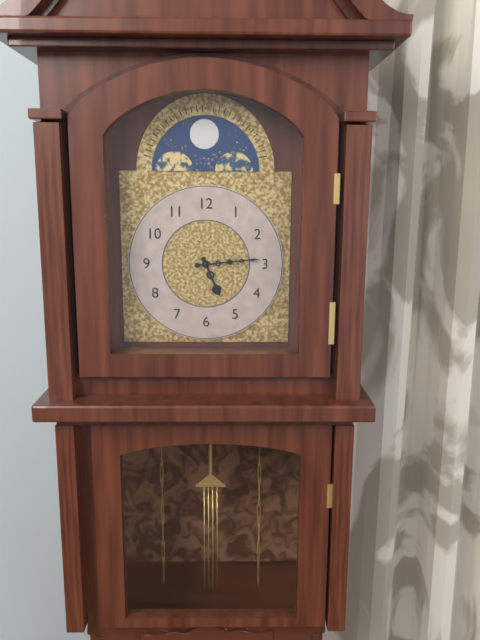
5 h 14 min
